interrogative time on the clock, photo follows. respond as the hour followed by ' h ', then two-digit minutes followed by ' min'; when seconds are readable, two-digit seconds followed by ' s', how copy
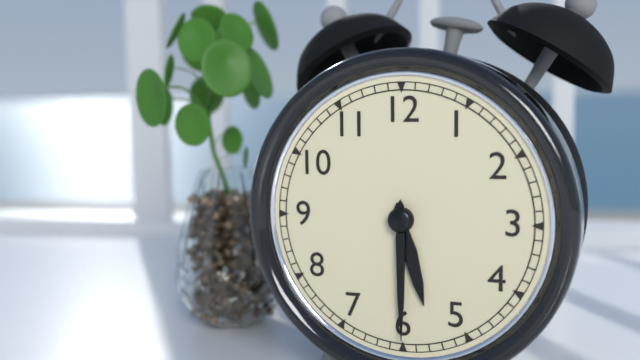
5 h 30 min
